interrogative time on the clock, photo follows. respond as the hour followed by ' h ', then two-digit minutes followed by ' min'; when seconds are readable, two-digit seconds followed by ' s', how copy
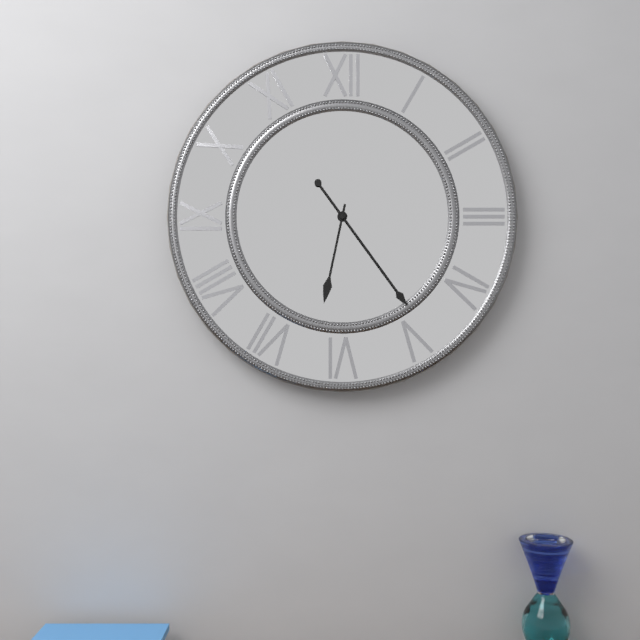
6 h 24 min
